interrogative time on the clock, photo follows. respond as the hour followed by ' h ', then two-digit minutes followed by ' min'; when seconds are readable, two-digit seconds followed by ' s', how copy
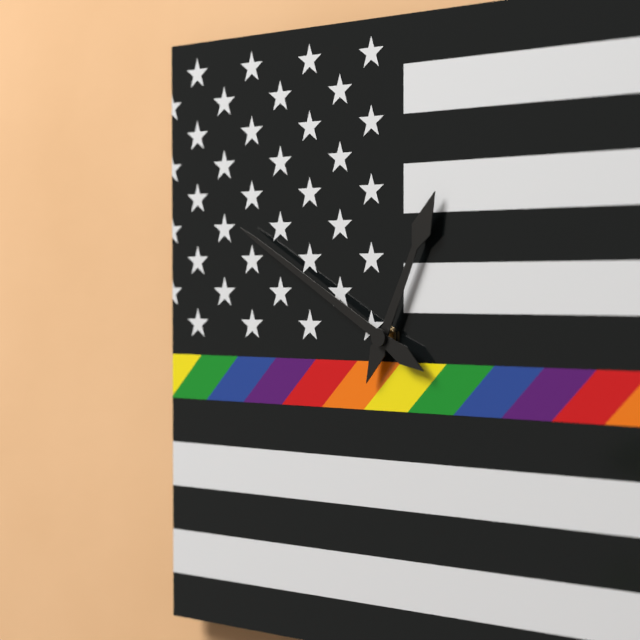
12 h 50 min
